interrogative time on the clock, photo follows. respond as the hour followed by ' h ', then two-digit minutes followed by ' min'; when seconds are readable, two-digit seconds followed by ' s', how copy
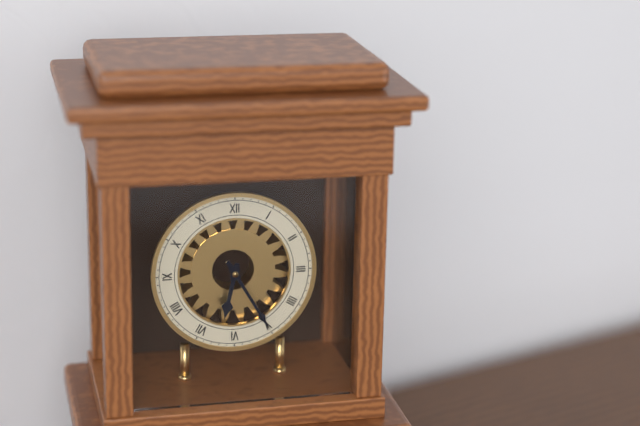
6 h 25 min
